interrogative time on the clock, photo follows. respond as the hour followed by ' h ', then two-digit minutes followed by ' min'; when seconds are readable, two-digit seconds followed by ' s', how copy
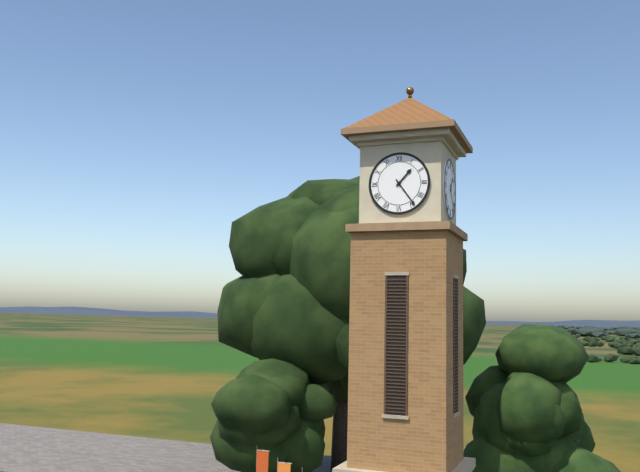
1 h 24 min
